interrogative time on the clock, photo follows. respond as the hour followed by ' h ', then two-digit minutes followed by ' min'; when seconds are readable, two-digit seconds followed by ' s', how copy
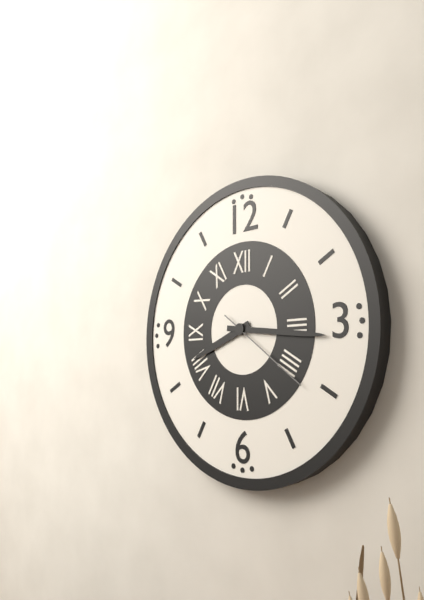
8 h 16 min 21 s
